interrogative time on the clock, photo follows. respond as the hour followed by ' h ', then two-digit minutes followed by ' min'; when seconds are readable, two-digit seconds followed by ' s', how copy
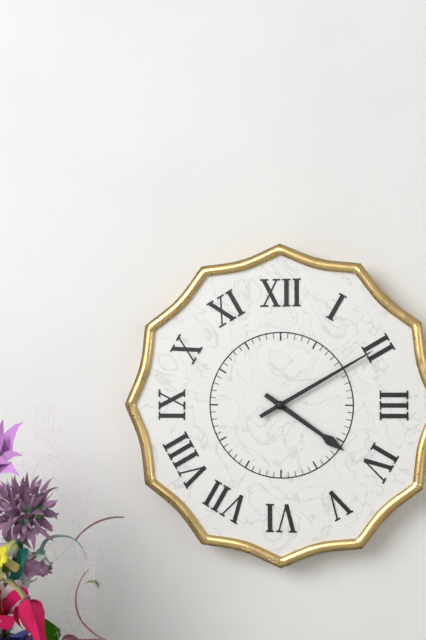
4 h 10 min
